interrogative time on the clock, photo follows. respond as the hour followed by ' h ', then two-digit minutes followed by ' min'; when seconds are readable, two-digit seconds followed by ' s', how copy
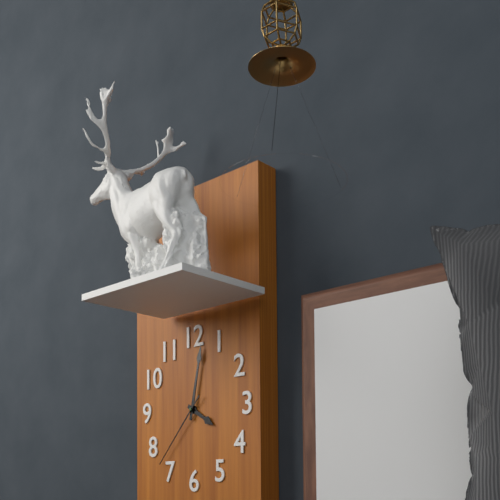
4 h 02 min 37 s
